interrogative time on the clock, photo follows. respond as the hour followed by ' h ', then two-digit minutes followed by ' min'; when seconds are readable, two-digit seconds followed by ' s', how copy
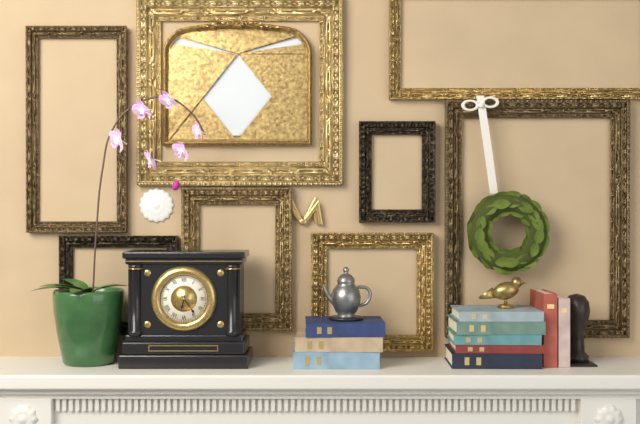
6 h 24 min
